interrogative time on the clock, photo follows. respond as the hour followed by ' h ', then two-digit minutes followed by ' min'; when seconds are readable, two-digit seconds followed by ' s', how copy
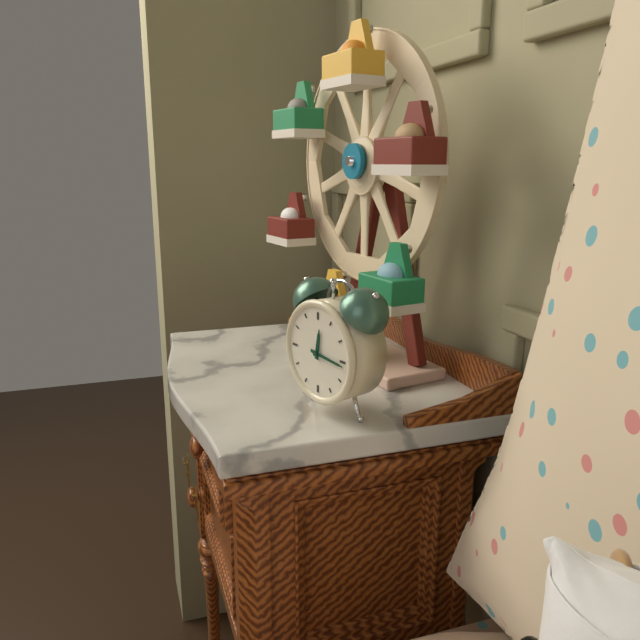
12 h 16 min
